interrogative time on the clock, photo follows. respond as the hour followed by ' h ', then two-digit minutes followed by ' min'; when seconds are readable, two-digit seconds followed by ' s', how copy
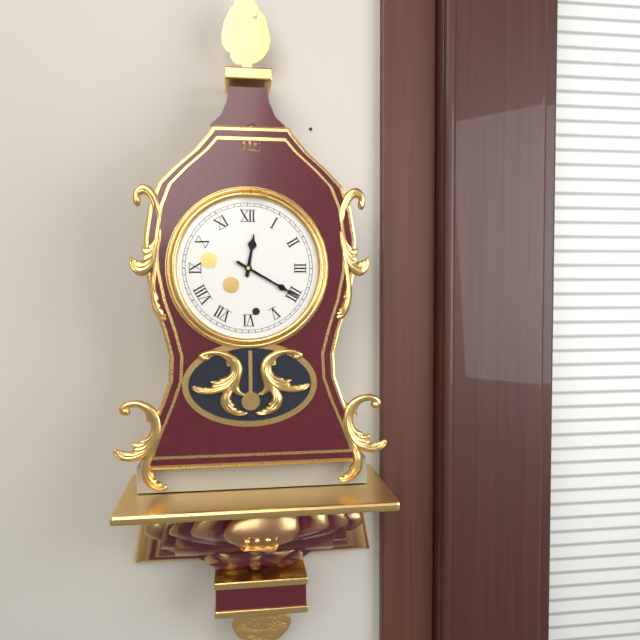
12 h 20 min
